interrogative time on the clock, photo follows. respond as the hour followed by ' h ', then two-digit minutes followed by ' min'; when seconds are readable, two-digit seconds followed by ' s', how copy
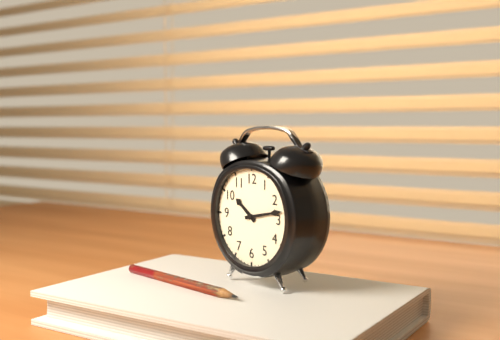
10 h 13 min
